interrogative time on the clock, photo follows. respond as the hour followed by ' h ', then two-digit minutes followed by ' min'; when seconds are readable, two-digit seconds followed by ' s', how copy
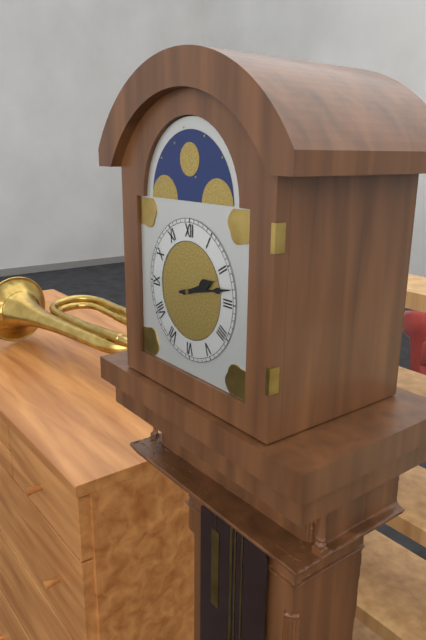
2 h 13 min
